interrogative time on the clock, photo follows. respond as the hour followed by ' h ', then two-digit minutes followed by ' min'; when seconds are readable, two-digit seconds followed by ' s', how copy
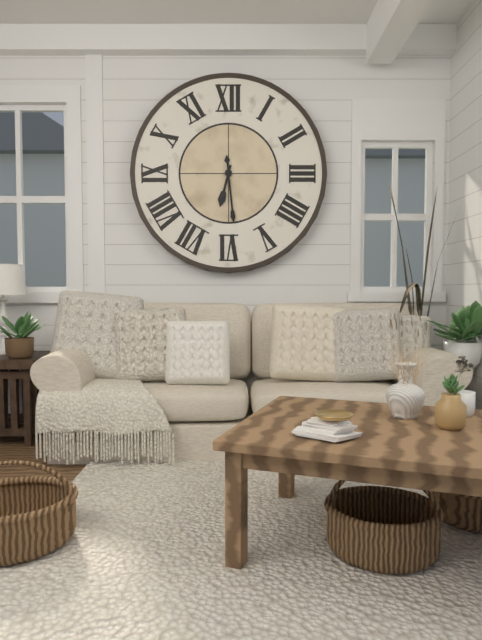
6 h 29 min
